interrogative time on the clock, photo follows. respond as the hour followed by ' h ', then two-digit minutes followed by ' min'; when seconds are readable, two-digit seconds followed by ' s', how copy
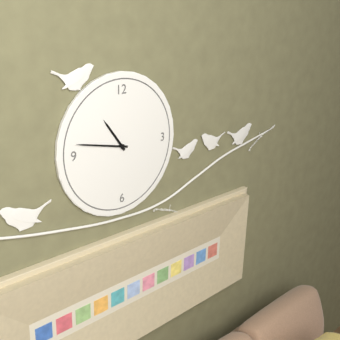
10 h 47 min
